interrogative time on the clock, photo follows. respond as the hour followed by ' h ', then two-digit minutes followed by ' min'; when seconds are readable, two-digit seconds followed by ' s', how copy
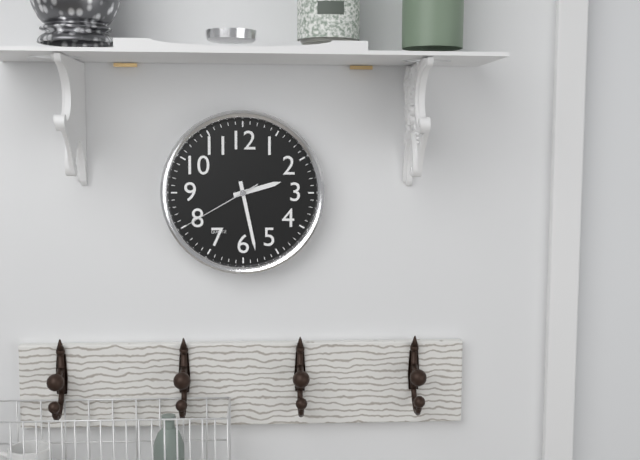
2 h 28 min 40 s
